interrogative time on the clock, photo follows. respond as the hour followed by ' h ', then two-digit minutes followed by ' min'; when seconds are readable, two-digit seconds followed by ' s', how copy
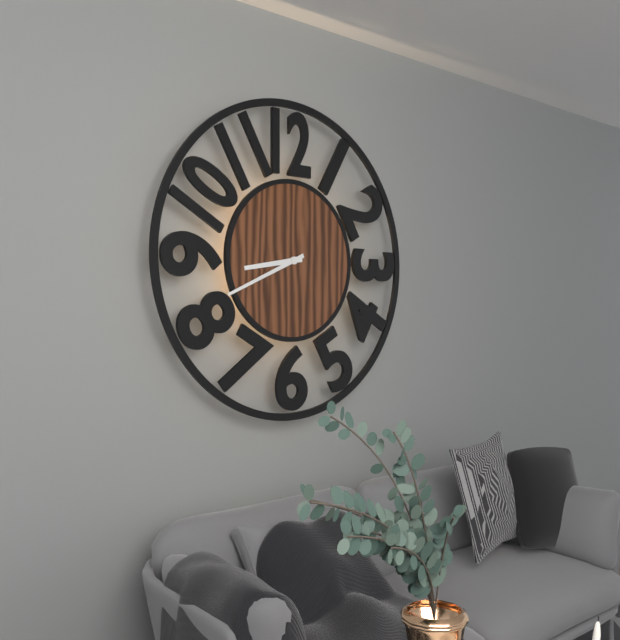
8 h 41 min
